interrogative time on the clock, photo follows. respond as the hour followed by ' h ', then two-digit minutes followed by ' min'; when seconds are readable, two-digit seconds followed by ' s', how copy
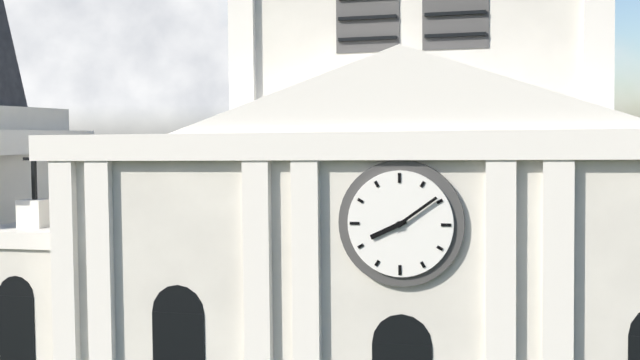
8 h 09 min
